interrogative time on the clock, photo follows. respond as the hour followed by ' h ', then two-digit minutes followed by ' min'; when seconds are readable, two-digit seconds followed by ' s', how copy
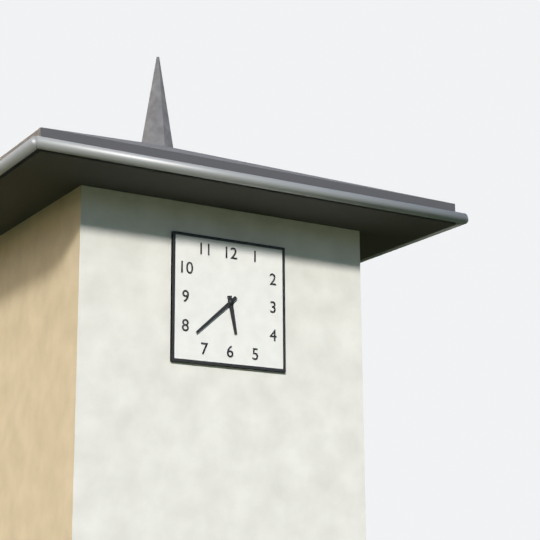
5 h 38 min
